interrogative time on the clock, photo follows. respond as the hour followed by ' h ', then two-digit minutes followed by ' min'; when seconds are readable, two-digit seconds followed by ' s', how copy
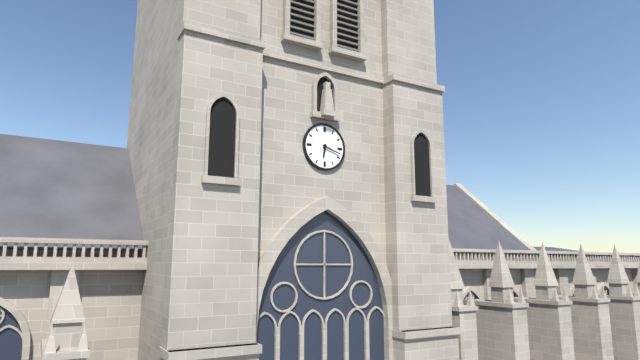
6 h 18 min
